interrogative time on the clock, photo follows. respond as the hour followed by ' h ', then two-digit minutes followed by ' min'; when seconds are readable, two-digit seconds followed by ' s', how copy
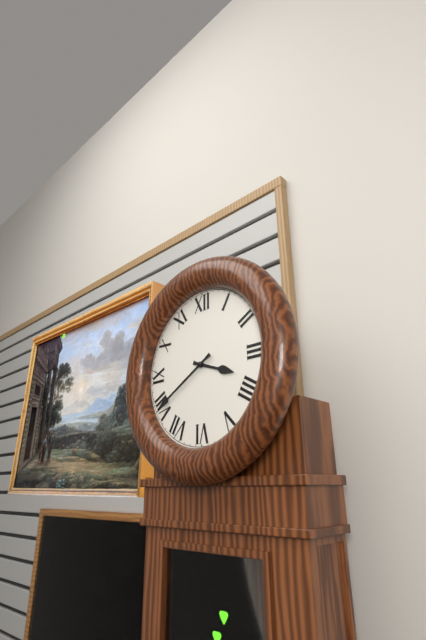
3 h 40 min
